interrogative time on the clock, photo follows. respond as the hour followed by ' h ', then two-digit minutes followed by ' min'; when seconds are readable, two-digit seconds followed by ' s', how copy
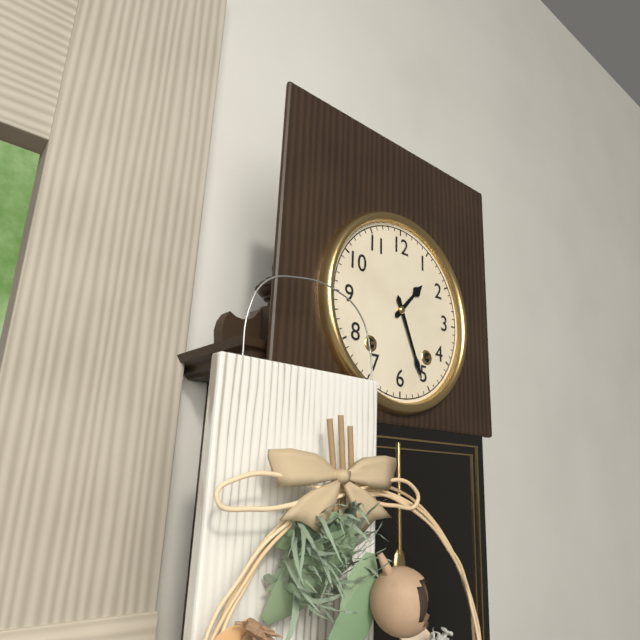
1 h 26 min
